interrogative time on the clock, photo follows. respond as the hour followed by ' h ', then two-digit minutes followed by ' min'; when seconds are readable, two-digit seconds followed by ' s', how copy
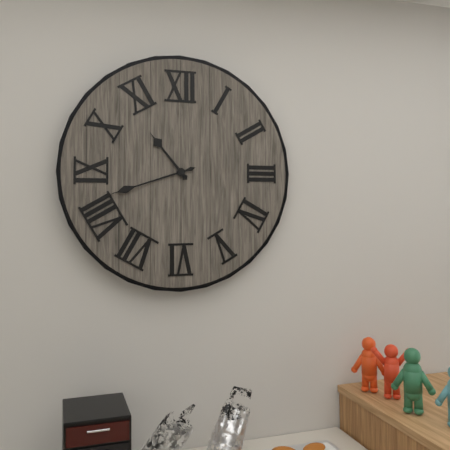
10 h 42 min
